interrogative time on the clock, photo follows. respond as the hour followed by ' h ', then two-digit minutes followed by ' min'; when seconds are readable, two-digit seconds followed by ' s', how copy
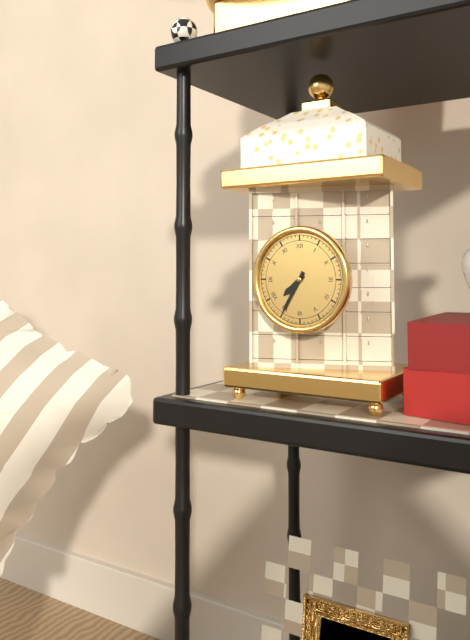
7 h 35 min
